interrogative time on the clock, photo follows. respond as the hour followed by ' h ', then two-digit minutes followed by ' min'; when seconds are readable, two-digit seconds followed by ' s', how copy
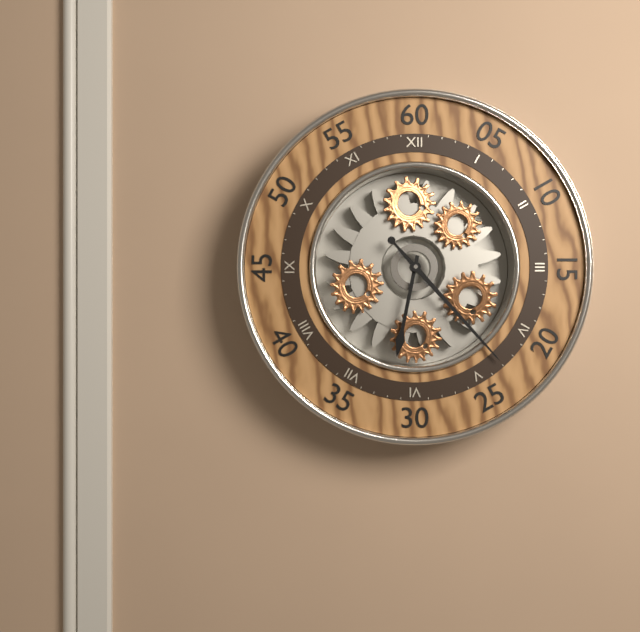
6 h 23 min
